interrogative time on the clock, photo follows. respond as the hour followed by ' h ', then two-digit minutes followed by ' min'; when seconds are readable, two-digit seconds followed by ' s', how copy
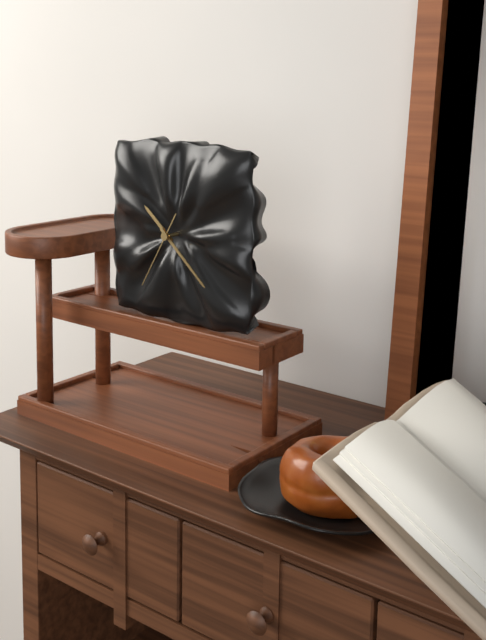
10 h 22 min 35 s
